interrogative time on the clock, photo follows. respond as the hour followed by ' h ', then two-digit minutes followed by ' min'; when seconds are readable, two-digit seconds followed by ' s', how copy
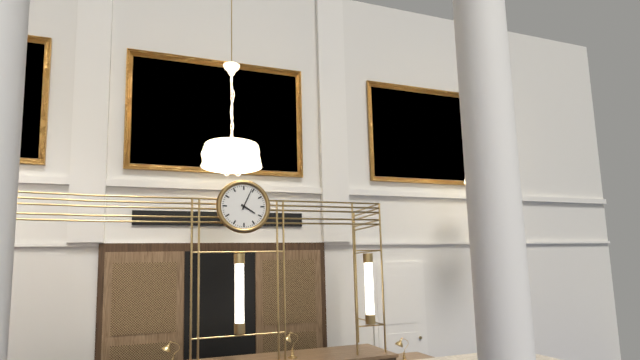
4 h 04 min
